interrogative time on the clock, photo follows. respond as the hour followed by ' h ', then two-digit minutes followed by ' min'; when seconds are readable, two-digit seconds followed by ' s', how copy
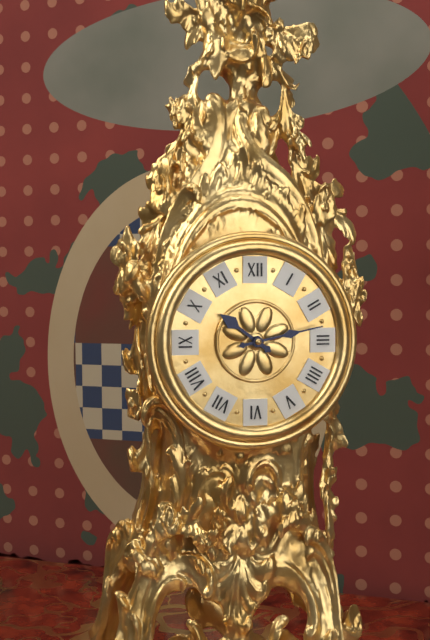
10 h 13 min
